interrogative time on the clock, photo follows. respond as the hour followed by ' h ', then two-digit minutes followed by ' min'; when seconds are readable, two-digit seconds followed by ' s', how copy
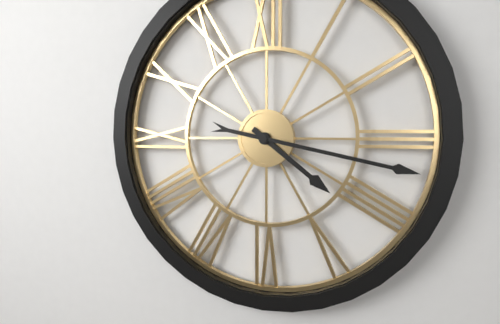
4 h 17 min
